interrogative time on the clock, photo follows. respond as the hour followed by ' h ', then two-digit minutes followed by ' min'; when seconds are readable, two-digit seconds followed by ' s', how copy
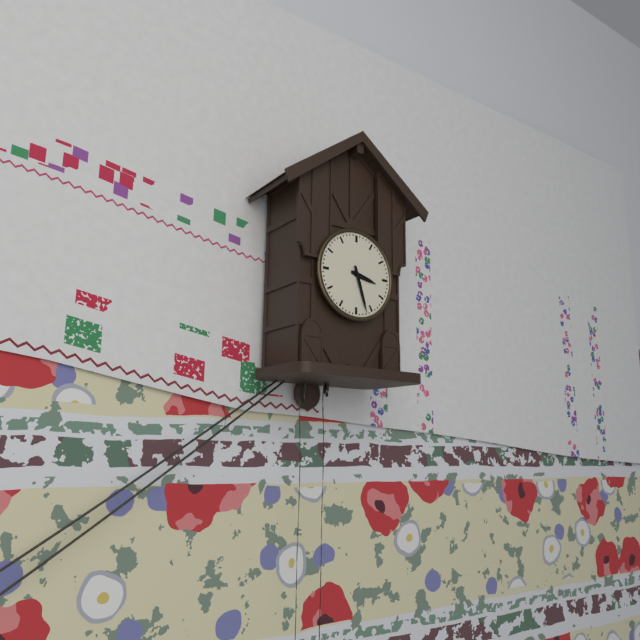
3 h 27 min
